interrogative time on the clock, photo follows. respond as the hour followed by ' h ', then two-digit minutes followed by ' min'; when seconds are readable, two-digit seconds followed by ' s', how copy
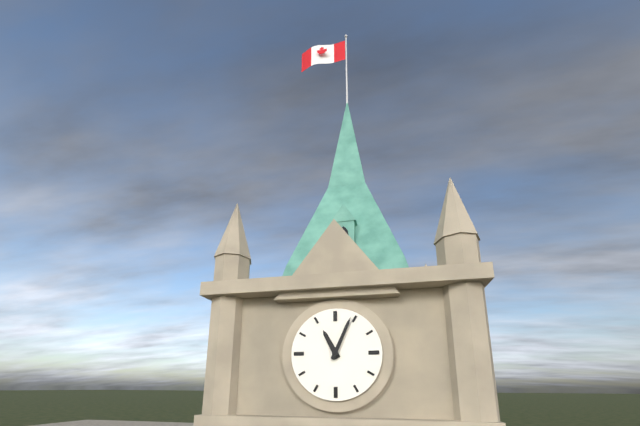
11 h 04 min
